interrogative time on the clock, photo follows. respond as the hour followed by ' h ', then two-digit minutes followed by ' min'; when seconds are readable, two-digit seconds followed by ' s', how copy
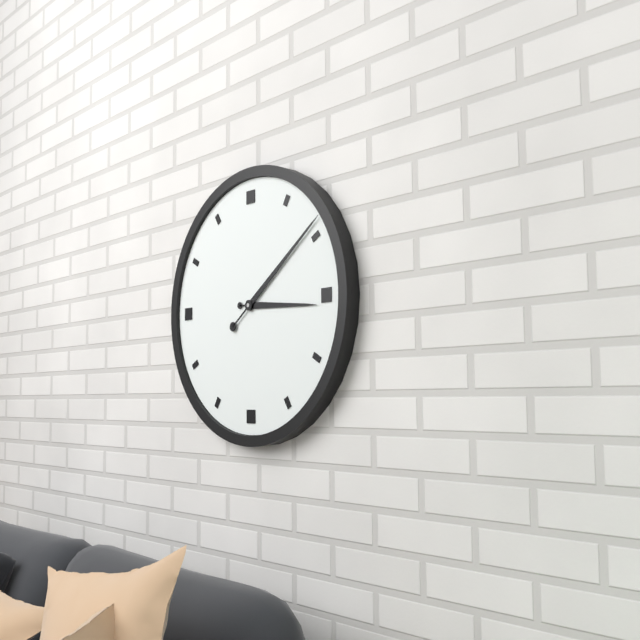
3 h 09 min
